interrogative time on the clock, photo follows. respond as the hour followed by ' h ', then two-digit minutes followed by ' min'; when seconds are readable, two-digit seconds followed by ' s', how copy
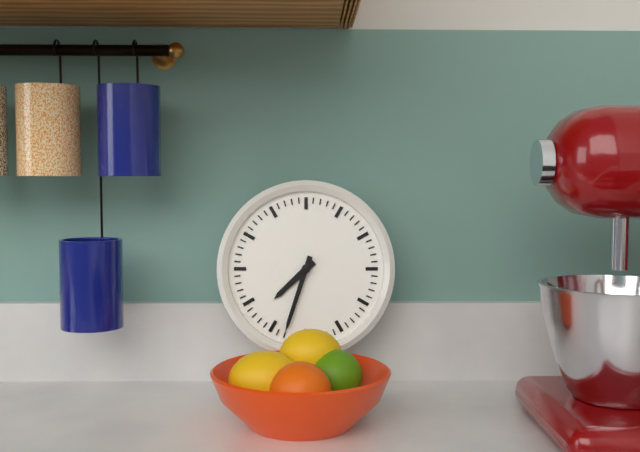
7 h 33 min
